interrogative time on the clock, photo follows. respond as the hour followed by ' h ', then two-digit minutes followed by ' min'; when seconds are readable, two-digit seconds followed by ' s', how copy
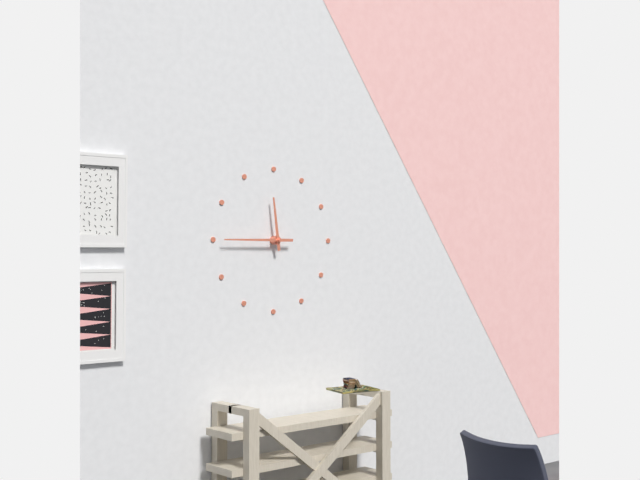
11 h 45 min
